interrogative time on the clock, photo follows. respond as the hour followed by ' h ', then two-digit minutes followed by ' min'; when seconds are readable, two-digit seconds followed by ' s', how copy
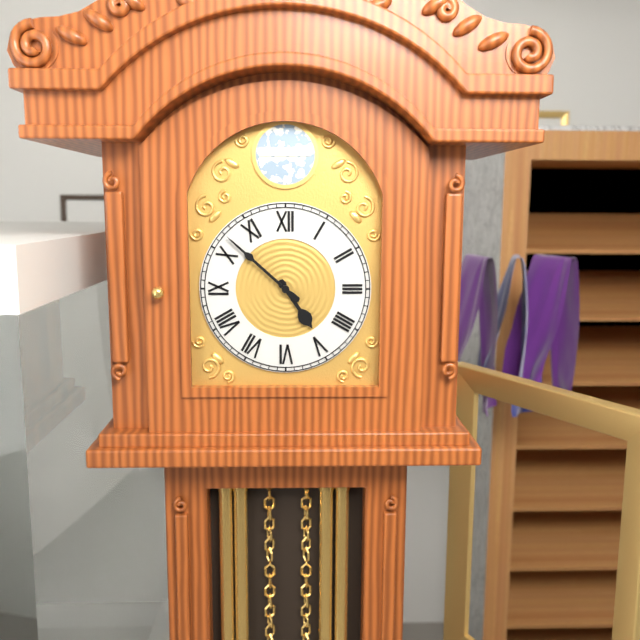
4 h 52 min
